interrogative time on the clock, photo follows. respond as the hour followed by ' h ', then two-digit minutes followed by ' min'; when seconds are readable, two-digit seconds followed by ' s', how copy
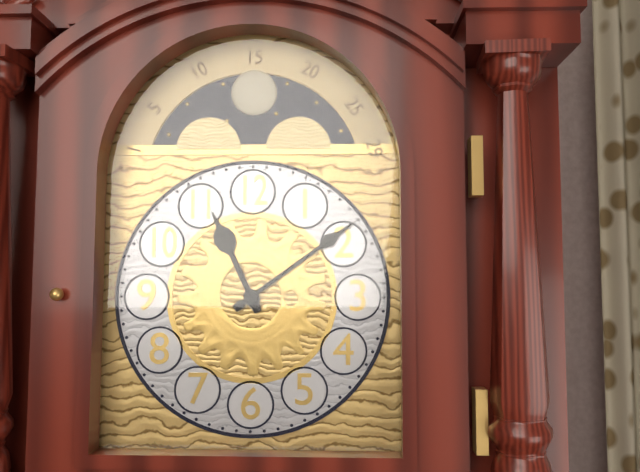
11 h 09 min
